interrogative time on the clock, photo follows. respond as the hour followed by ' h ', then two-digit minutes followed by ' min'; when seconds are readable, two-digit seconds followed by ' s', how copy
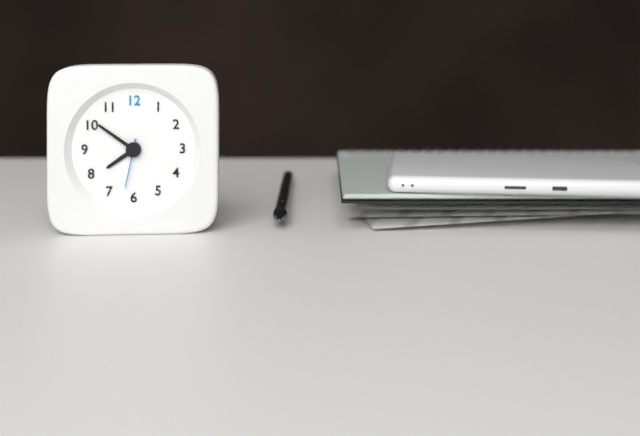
7 h 51 min 32 s
